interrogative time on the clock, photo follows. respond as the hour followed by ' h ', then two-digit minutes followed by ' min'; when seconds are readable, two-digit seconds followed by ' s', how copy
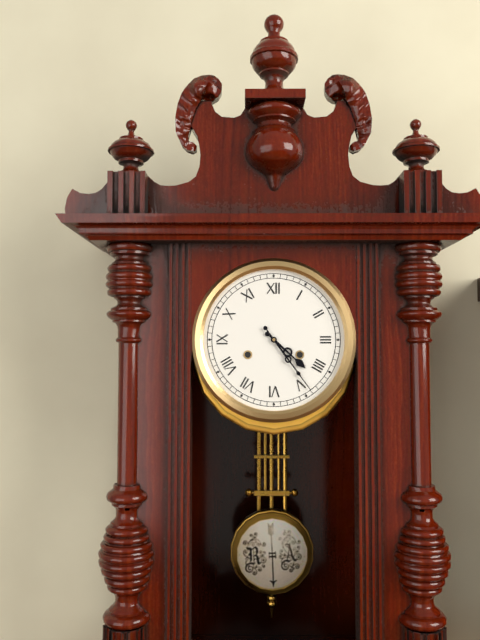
4 h 24 min
